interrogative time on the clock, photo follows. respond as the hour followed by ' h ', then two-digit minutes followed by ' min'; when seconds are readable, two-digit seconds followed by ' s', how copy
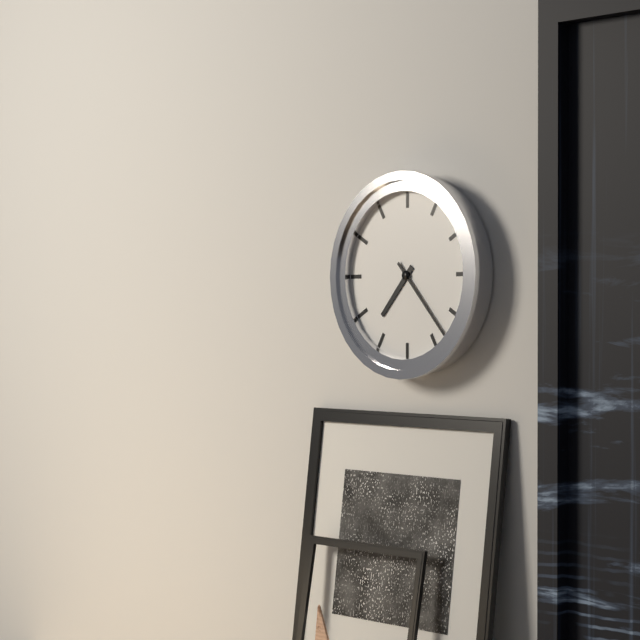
7 h 23 min
